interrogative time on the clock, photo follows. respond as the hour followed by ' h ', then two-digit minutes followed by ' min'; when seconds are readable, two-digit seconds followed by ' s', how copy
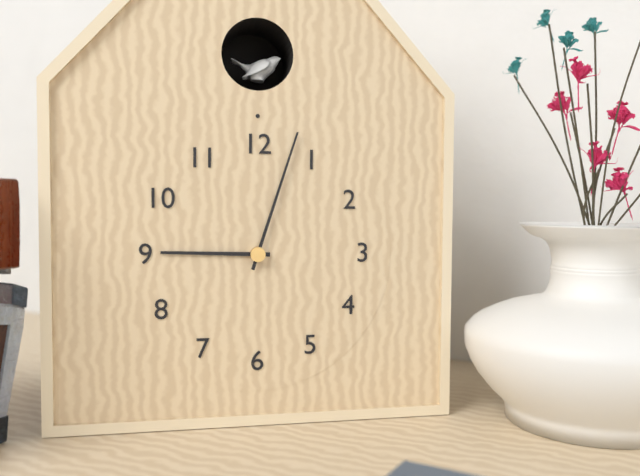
9 h 03 min
